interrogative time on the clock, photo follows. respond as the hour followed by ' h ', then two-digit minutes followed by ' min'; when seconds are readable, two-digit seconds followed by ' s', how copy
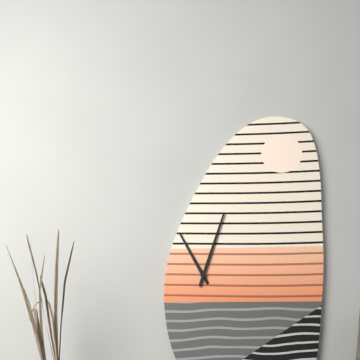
11 h 03 min
